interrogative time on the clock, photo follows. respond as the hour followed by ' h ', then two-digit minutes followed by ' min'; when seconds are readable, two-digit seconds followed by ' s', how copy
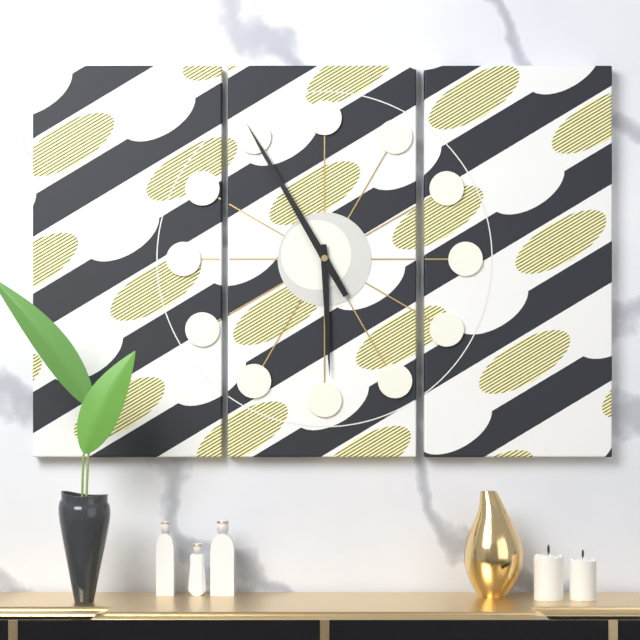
5 h 55 min
